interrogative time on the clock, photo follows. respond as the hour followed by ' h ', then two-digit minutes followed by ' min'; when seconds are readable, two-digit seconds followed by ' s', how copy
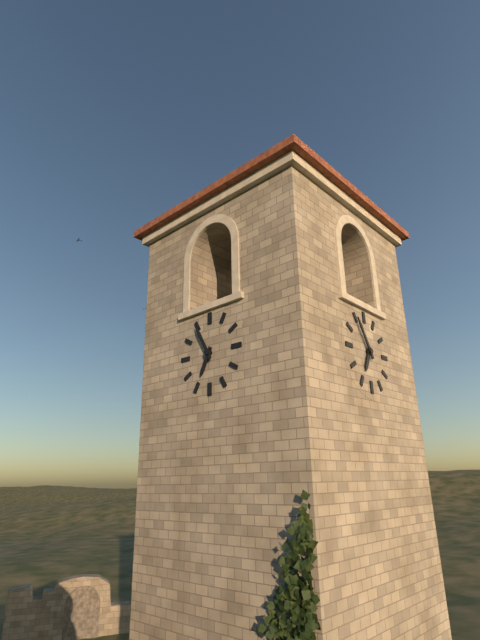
6 h 55 min
